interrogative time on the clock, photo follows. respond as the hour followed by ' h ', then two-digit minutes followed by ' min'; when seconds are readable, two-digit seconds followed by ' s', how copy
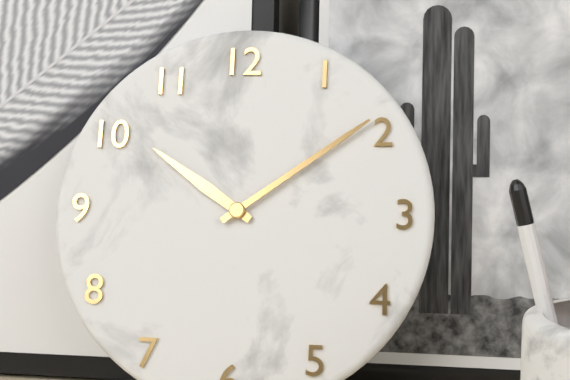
10 h 09 min
